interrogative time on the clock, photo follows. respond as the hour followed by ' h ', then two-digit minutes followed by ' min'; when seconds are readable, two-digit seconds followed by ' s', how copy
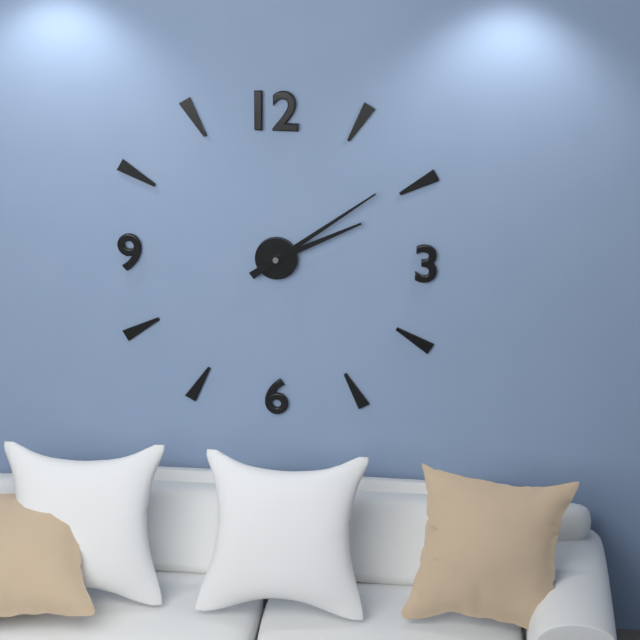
2 h 09 min
